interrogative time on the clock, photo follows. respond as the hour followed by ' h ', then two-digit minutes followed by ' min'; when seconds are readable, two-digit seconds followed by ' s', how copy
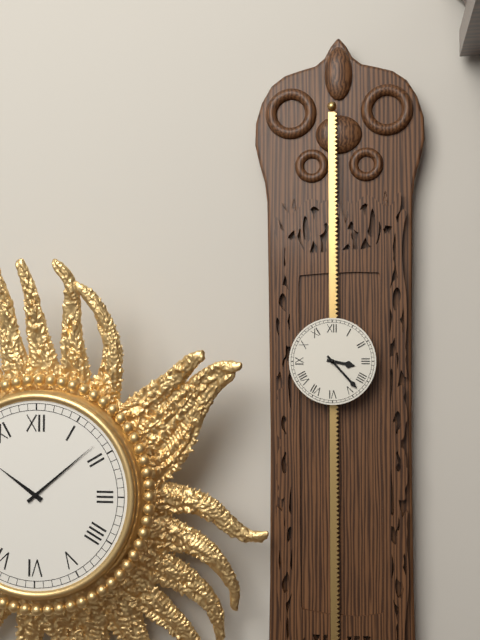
3 h 23 min
